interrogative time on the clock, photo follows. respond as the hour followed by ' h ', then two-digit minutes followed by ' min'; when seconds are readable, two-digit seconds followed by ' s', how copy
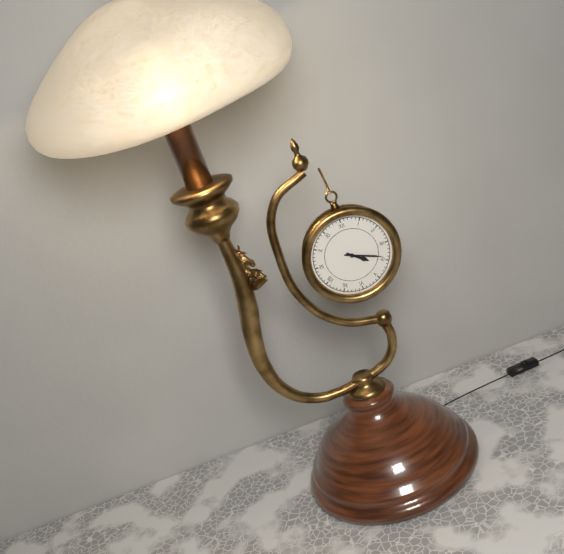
4 h 19 min
